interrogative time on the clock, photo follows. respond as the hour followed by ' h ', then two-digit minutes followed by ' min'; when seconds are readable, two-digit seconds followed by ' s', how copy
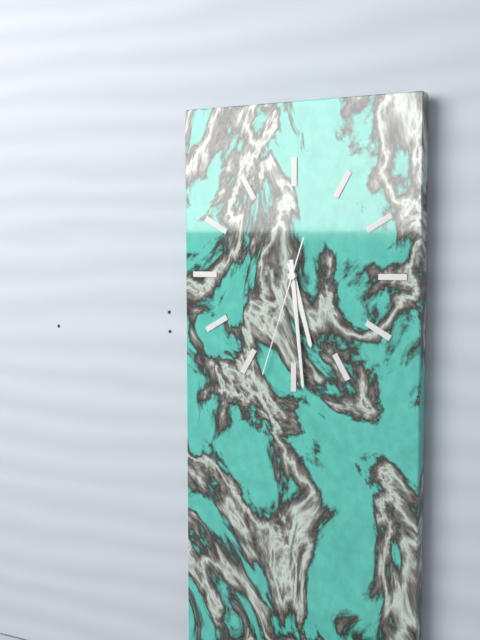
5 h 29 min 33 s
